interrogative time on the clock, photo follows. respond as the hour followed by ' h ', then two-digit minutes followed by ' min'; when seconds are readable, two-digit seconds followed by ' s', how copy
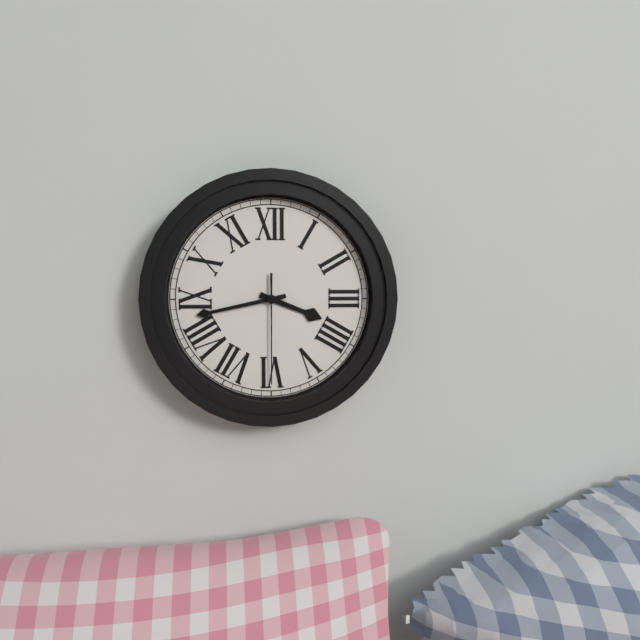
3 h 43 min 30 s
